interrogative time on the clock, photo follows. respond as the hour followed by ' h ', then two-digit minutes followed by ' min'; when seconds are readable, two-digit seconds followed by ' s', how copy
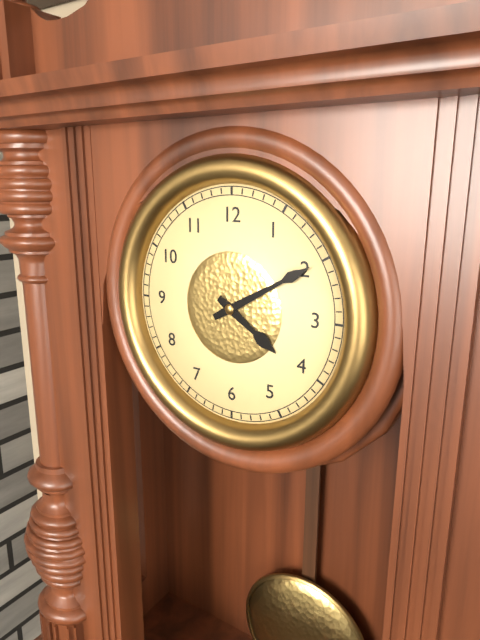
4 h 10 min
